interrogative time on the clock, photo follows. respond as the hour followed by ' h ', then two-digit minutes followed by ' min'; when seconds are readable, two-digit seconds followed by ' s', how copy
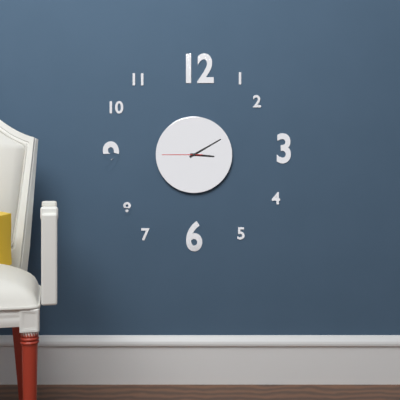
3 h 10 min
